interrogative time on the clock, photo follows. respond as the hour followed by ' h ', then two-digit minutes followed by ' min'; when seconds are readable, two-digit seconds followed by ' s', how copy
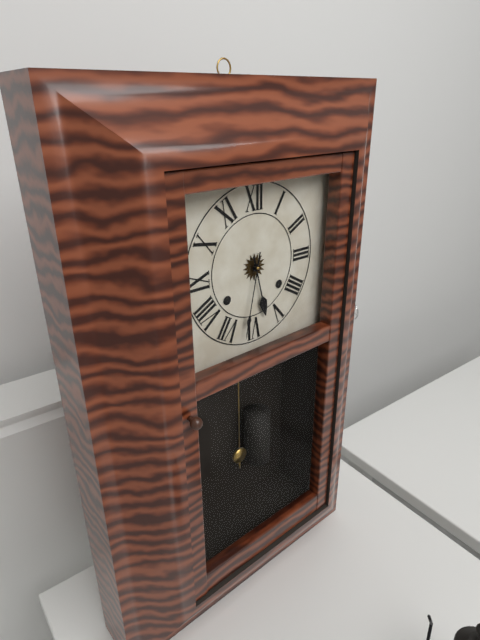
5 h 32 min
